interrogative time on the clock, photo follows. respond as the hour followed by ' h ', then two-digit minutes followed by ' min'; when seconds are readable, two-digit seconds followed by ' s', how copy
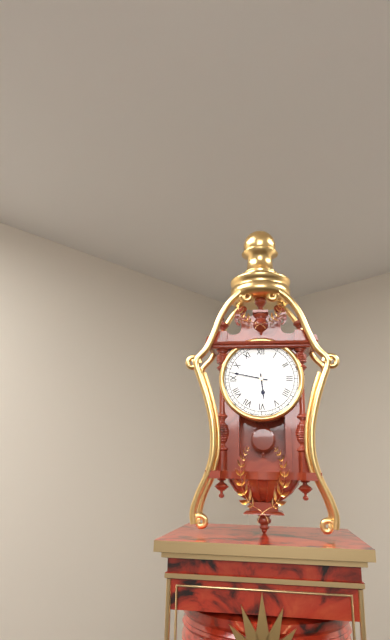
5 h 47 min
